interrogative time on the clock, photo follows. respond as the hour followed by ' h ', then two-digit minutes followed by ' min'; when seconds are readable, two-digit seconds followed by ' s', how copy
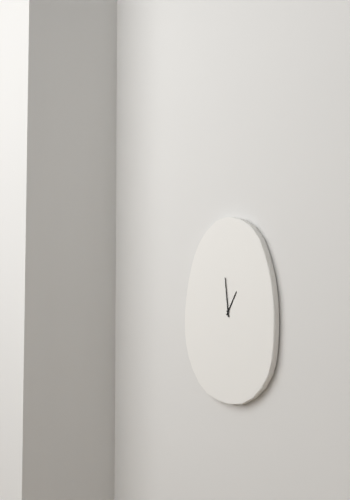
12 h 59 min
